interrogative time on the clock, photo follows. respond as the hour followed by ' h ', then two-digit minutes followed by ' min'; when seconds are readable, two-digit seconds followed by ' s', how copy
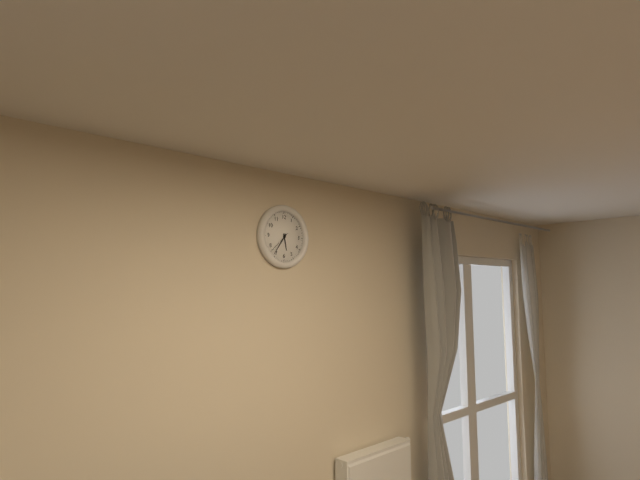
5 h 36 min
